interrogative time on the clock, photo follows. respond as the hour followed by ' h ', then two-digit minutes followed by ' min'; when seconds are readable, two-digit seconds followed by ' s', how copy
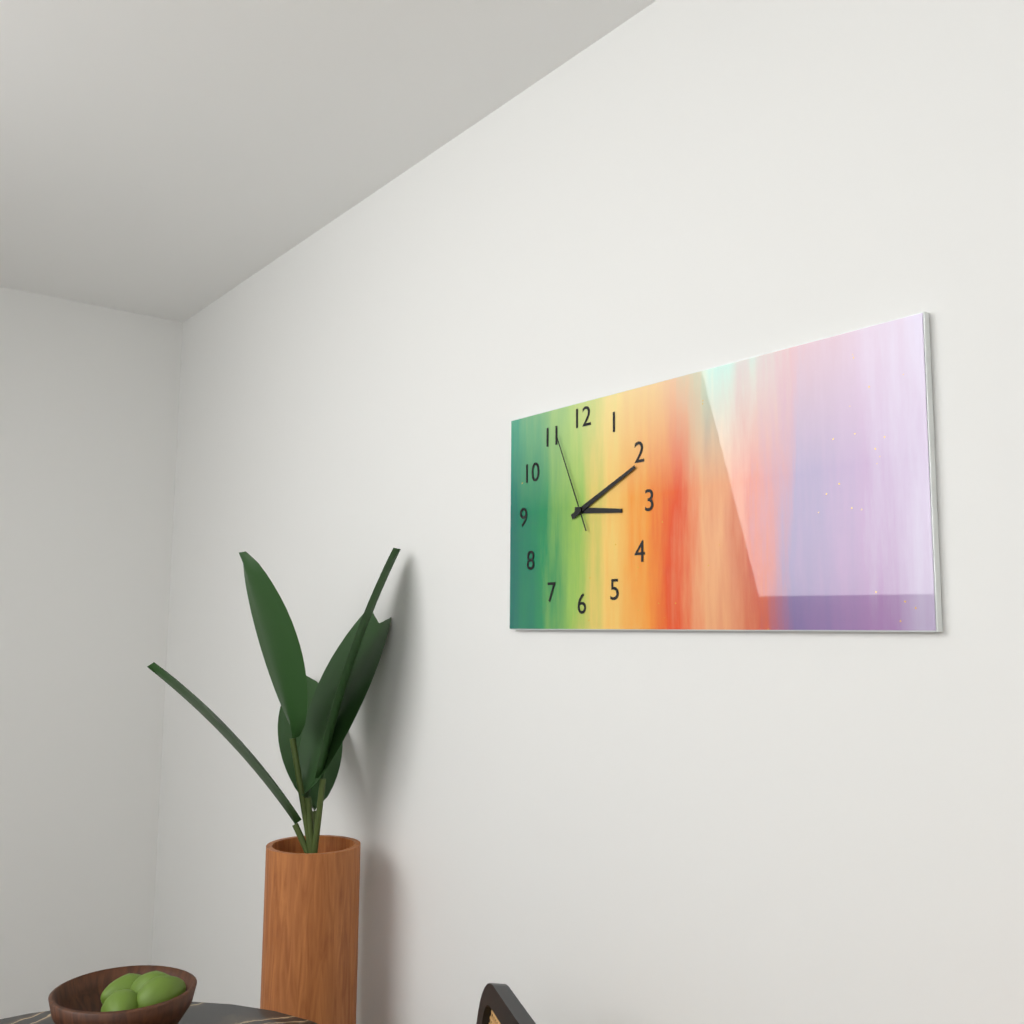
3 h 11 min 56 s
